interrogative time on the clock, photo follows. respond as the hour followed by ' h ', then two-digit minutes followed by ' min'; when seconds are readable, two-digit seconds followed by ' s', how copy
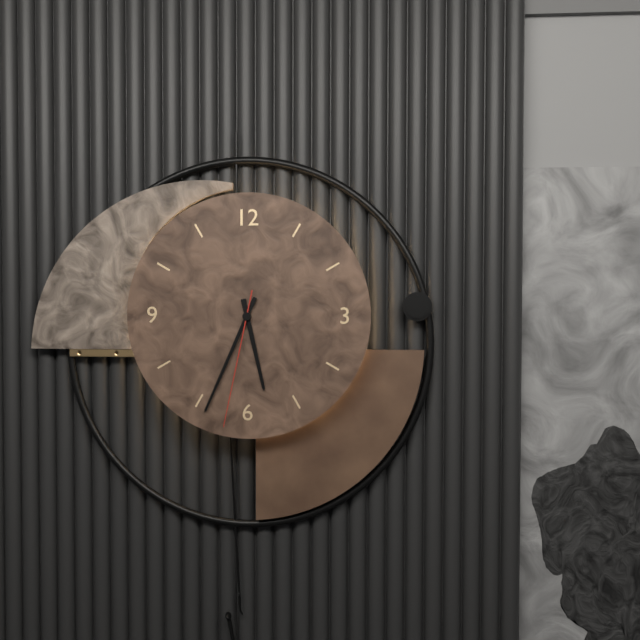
5 h 34 min 32 s
